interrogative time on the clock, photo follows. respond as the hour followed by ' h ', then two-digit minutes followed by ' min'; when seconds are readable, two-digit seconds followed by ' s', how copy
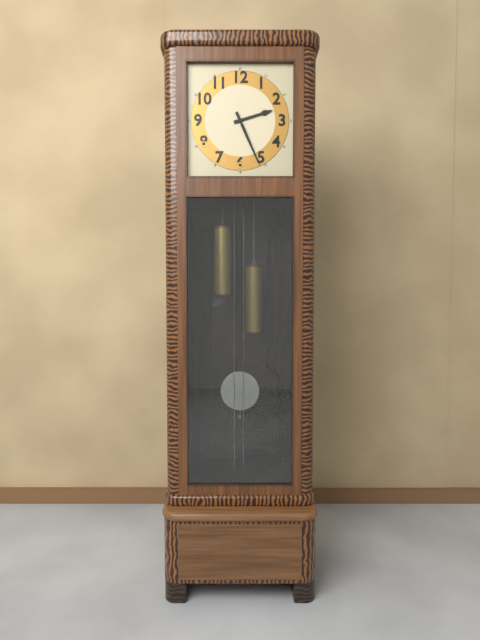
2 h 26 min
